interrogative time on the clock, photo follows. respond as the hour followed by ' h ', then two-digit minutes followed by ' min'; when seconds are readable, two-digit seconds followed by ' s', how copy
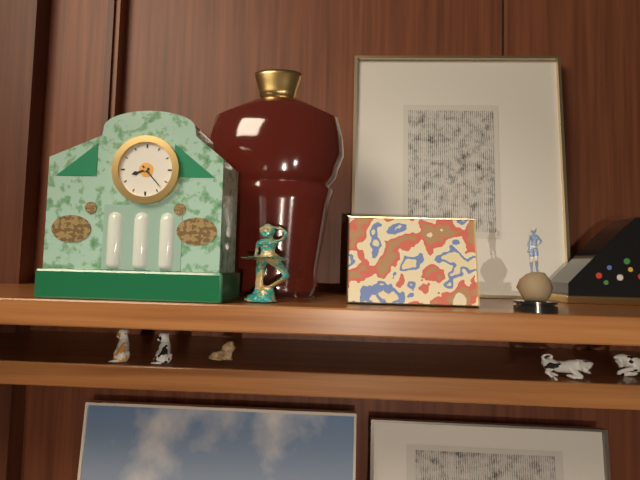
8 h 23 min
